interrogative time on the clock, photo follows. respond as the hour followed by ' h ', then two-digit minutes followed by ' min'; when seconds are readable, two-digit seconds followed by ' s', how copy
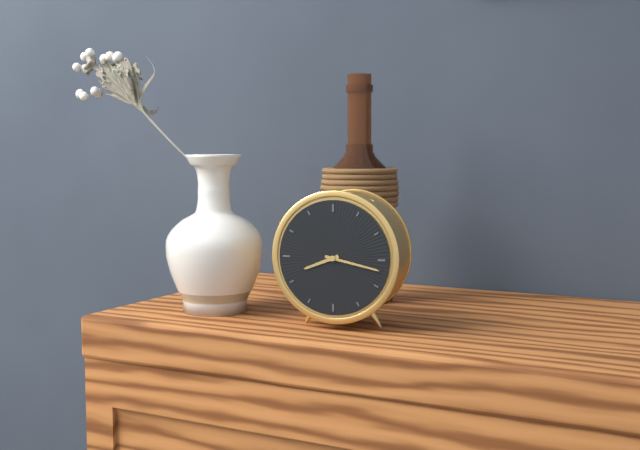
8 h 17 min
